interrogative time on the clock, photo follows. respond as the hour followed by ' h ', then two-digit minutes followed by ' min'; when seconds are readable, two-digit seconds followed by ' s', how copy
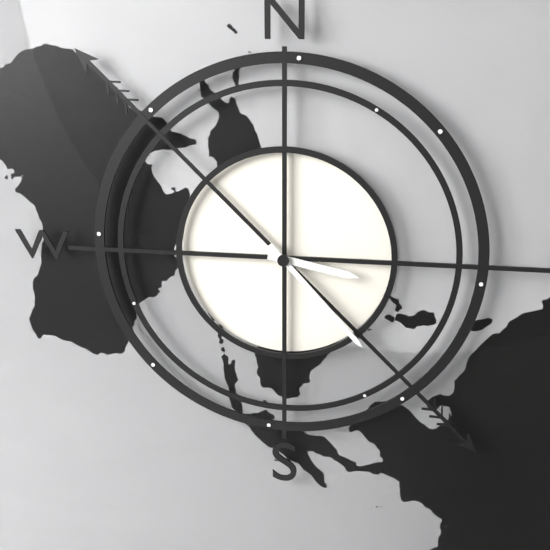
3 h 23 min
